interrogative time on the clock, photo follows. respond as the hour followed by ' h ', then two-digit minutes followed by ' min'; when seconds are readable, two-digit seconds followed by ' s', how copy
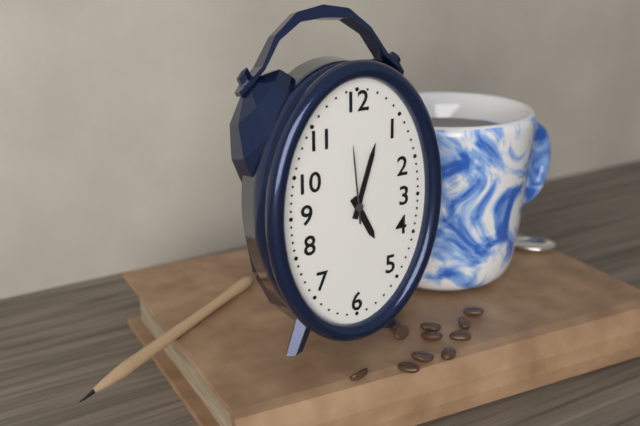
5 h 03 min 59 s
